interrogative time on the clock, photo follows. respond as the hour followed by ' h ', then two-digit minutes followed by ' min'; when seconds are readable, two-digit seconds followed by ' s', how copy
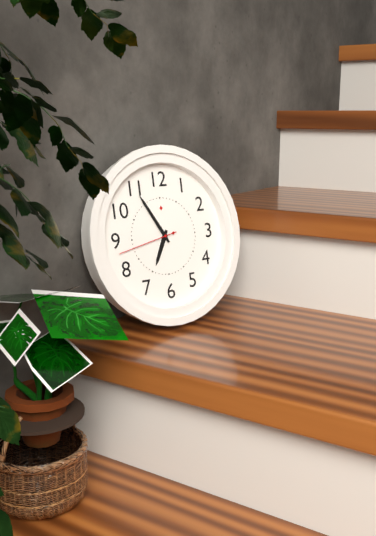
6 h 55 min 43 s
